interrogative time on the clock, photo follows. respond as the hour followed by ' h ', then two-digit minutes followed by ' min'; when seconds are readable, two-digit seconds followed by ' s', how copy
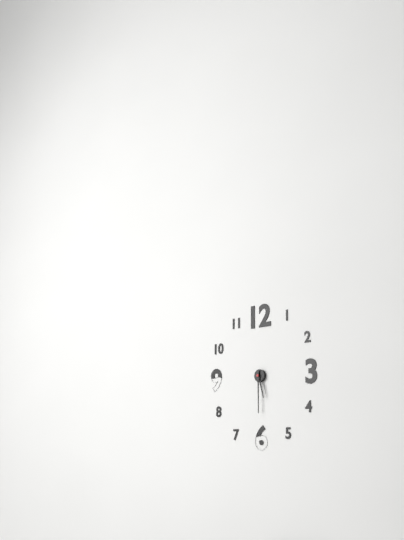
5 h 30 min
